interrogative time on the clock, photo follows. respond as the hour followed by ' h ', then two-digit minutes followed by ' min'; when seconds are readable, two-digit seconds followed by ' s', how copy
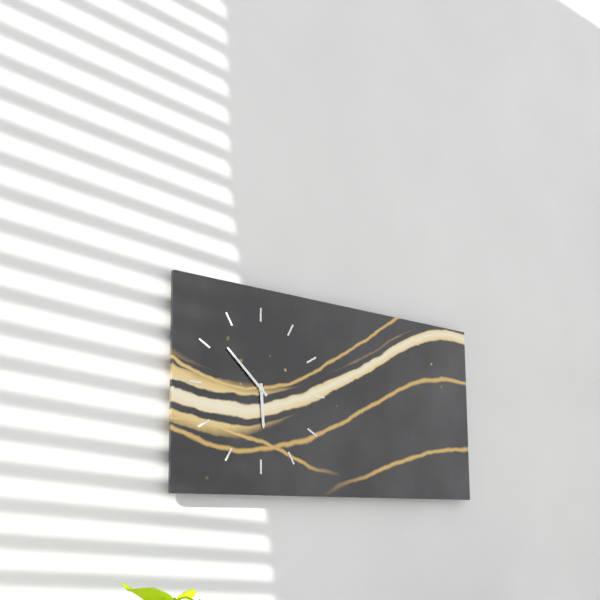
5 h 52 min
